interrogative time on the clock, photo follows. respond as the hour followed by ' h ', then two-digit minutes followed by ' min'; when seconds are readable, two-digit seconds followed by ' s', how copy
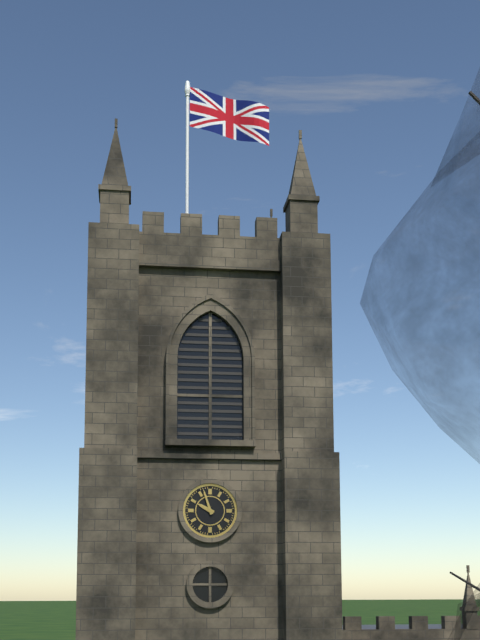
9 h 57 min
